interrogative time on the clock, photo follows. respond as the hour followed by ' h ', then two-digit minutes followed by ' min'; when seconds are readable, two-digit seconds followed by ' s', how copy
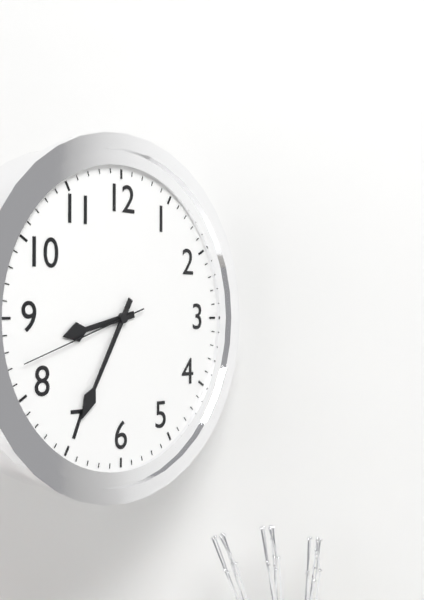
8 h 35 min 42 s
